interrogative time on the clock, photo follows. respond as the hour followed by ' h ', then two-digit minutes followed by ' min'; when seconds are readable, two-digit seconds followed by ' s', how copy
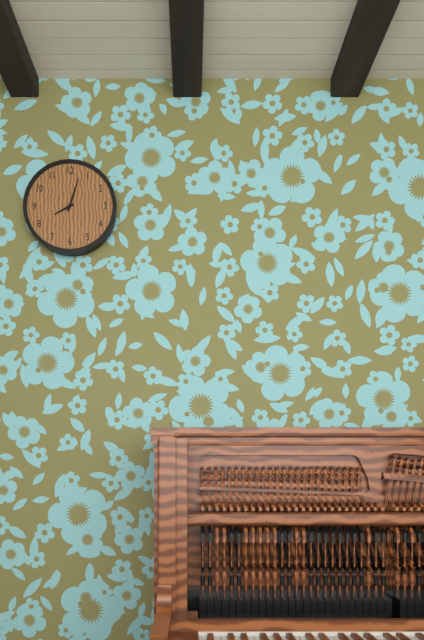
8 h 03 min
